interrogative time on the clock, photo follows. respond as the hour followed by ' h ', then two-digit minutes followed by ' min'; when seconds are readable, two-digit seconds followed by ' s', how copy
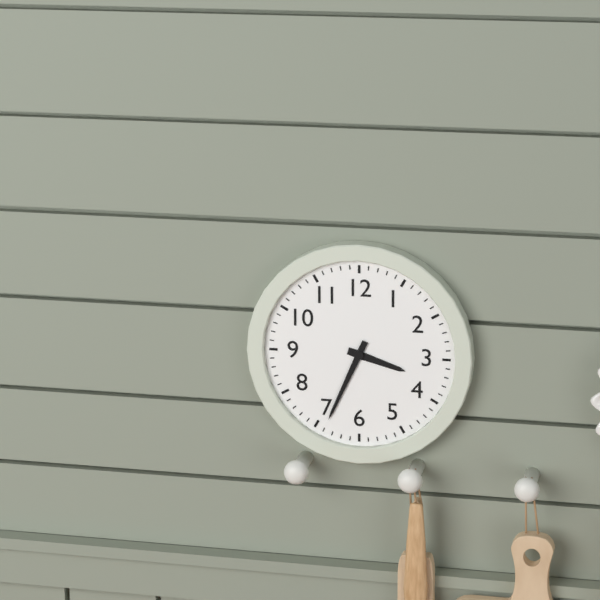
3 h 34 min
